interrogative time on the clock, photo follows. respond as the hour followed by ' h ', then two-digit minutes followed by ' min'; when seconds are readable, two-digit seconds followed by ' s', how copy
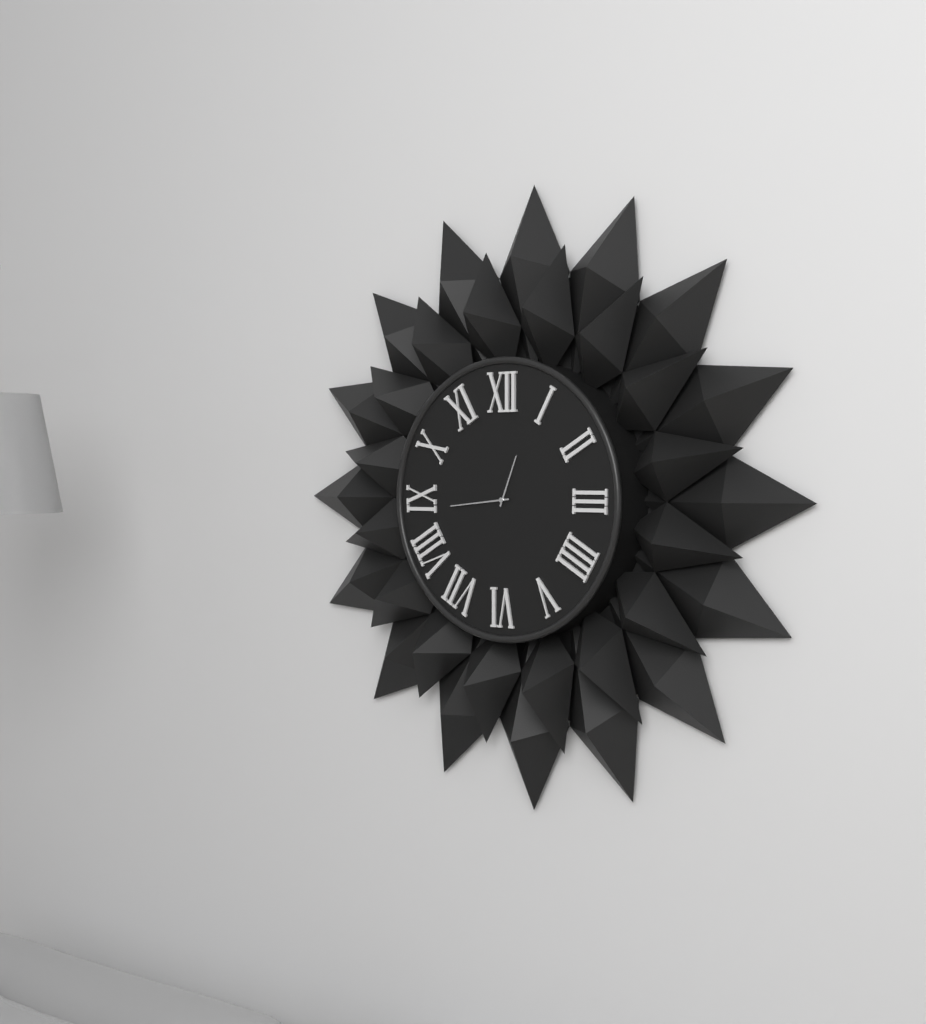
12 h 44 min
